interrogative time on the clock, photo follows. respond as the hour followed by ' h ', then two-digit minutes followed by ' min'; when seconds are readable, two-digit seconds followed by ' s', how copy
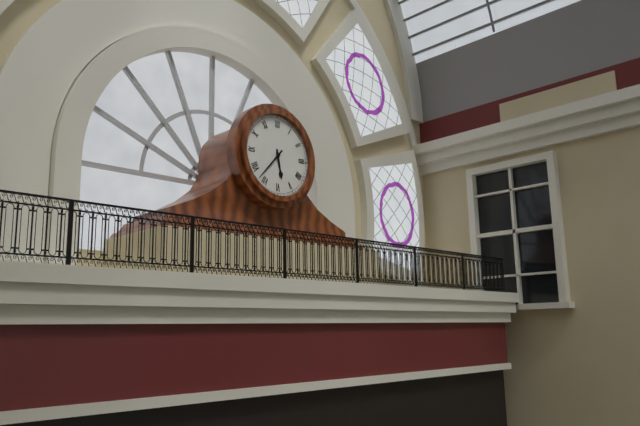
5 h 37 min
